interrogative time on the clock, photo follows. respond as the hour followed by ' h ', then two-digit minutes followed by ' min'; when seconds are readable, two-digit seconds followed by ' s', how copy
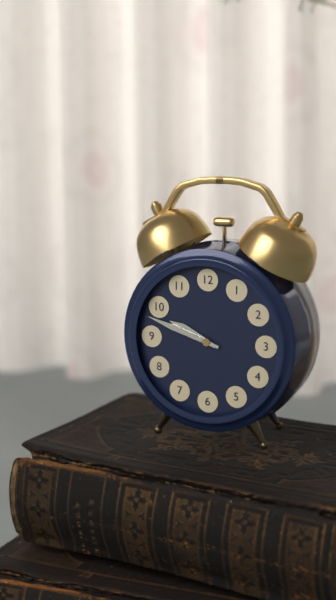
9 h 48 min
